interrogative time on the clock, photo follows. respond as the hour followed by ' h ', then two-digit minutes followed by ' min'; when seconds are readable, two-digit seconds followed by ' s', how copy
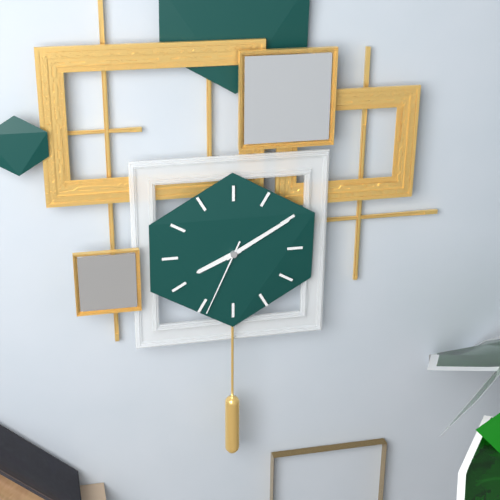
8 h 10 min 34 s
